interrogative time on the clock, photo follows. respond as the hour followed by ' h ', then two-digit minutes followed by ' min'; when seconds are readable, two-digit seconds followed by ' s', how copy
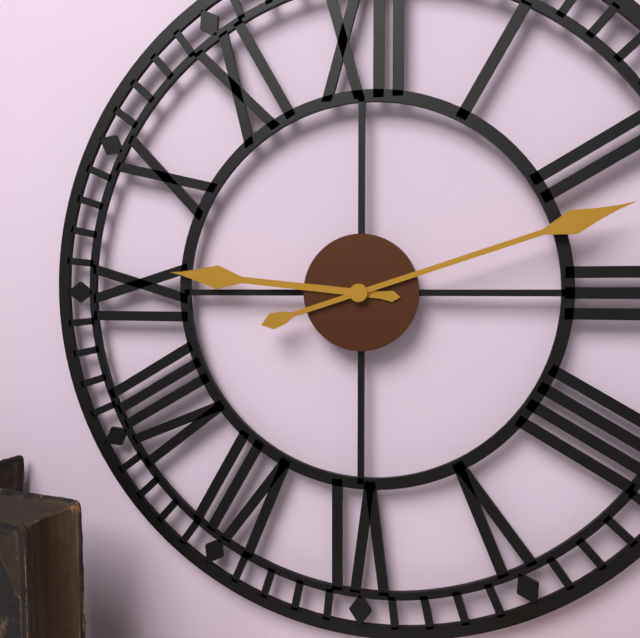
9 h 12 min
